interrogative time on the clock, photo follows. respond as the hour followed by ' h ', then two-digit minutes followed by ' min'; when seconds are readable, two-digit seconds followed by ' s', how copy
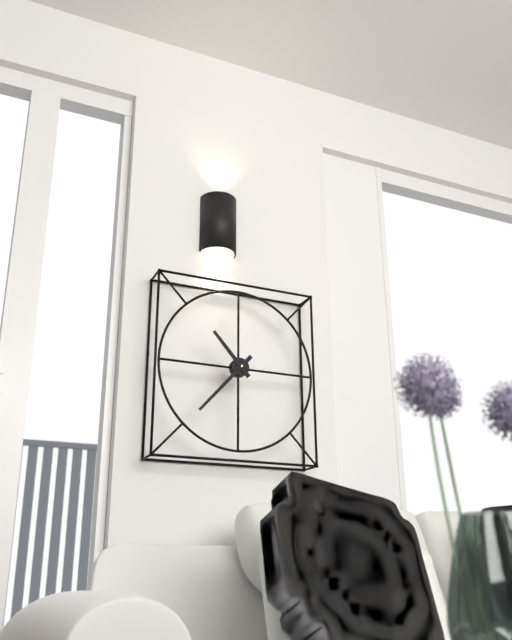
10 h 37 min
